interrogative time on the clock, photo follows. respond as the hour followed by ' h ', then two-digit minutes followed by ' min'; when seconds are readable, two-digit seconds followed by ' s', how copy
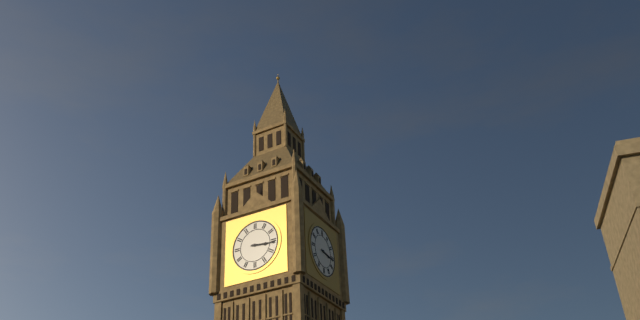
3 h 16 min
